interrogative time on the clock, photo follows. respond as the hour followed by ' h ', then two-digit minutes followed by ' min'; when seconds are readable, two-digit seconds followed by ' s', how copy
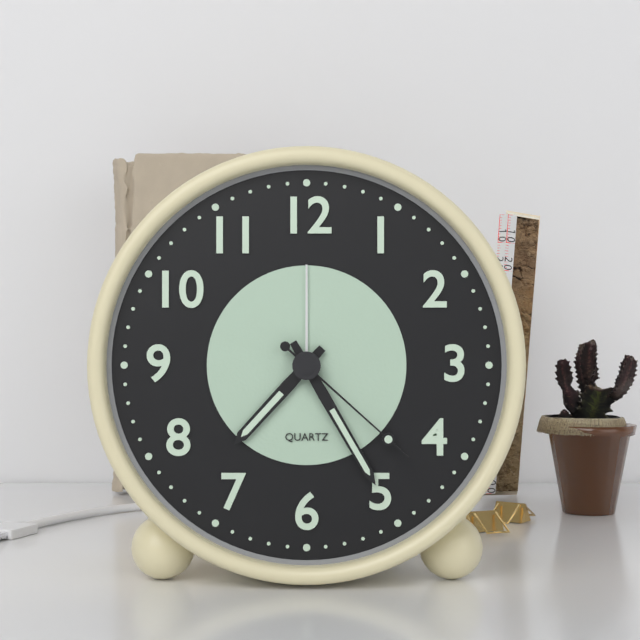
7 h 25 min 22 s
